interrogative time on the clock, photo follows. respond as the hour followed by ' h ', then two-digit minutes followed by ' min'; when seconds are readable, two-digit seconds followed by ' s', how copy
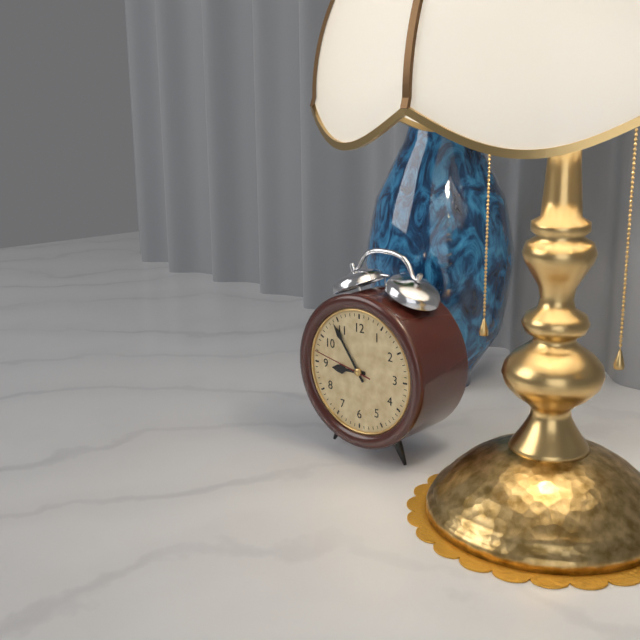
8 h 54 min 47 s
